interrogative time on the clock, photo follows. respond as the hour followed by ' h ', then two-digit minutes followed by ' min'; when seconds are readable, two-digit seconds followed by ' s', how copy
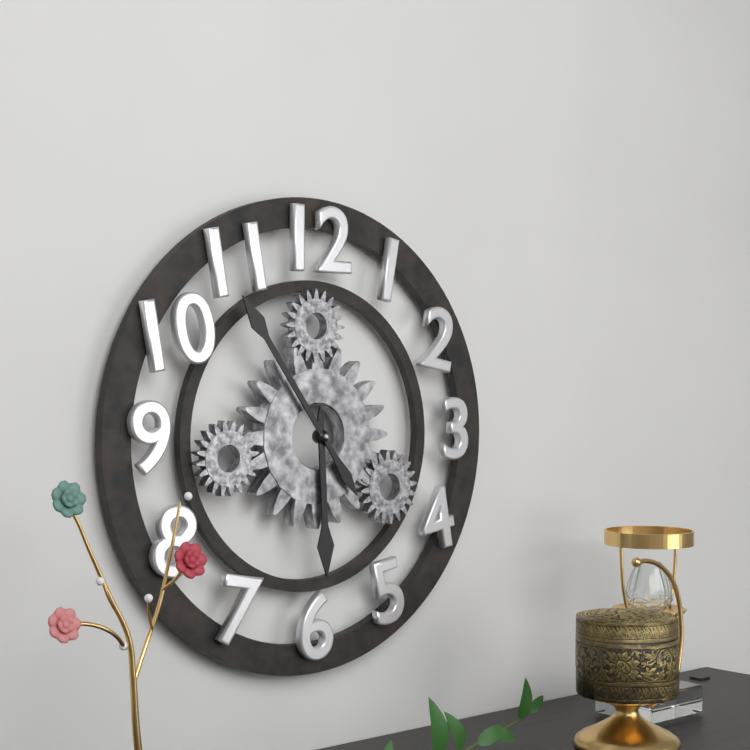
5 h 54 min
